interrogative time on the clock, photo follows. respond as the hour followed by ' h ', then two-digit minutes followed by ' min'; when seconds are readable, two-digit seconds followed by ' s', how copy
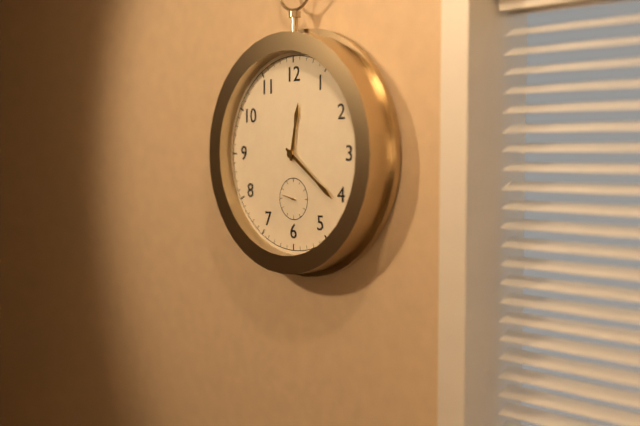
12 h 21 min
